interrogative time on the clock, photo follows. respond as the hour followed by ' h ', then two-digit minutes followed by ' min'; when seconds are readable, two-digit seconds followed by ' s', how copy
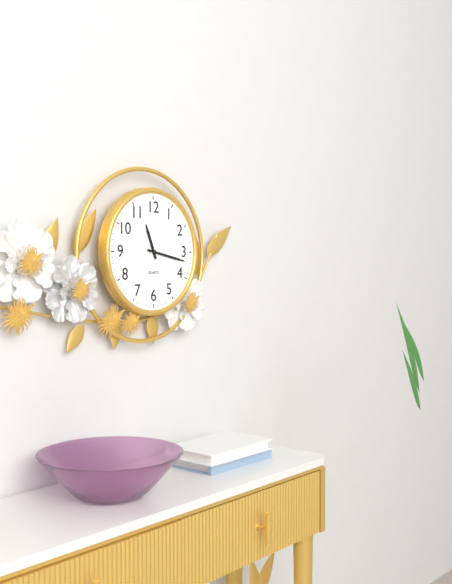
11 h 17 min
